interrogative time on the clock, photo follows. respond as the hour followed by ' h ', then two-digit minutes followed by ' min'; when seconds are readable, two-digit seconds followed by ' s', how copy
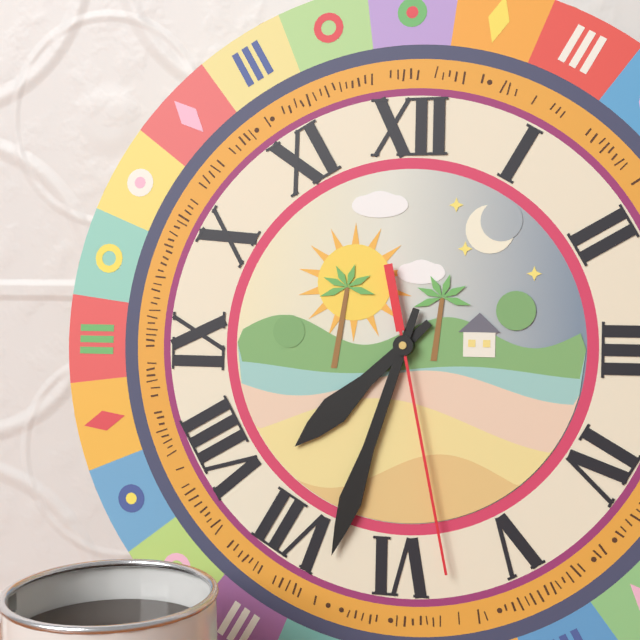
7 h 33 min 28 s
